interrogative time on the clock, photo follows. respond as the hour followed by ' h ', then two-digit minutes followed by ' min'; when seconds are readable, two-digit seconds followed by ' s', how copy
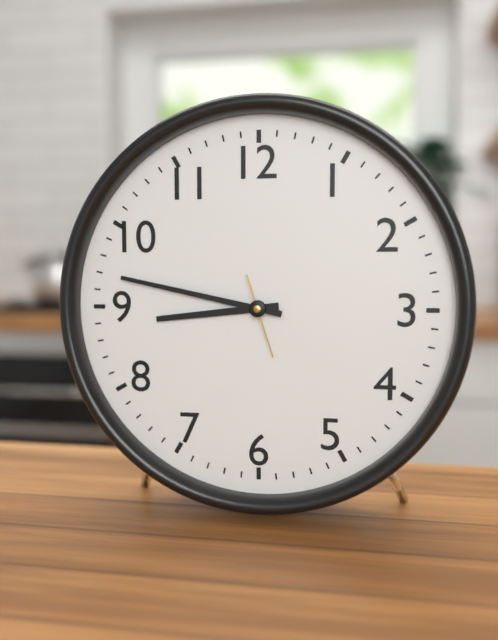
8 h 47 min 27 s
